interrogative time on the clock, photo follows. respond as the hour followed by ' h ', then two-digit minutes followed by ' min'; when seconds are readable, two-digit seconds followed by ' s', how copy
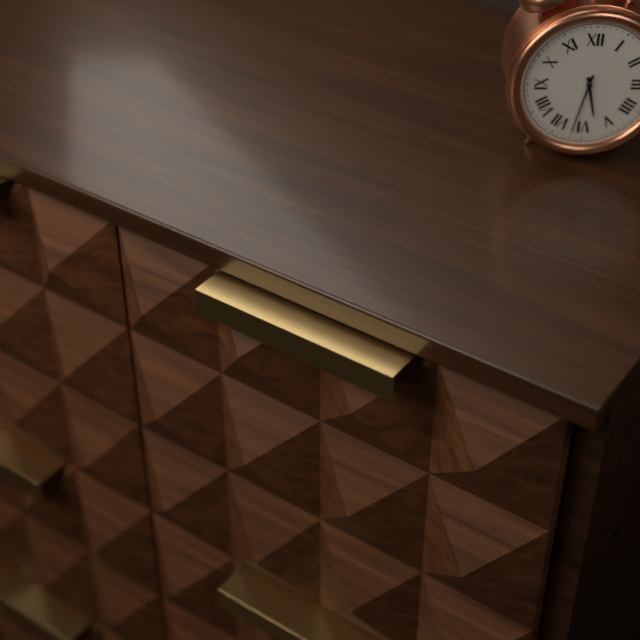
5 h 32 min
